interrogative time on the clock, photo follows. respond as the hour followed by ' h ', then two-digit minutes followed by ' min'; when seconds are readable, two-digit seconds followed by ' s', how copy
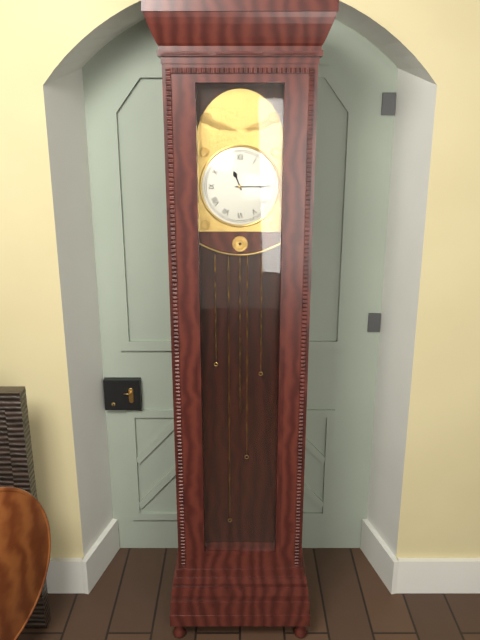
11 h 15 min
